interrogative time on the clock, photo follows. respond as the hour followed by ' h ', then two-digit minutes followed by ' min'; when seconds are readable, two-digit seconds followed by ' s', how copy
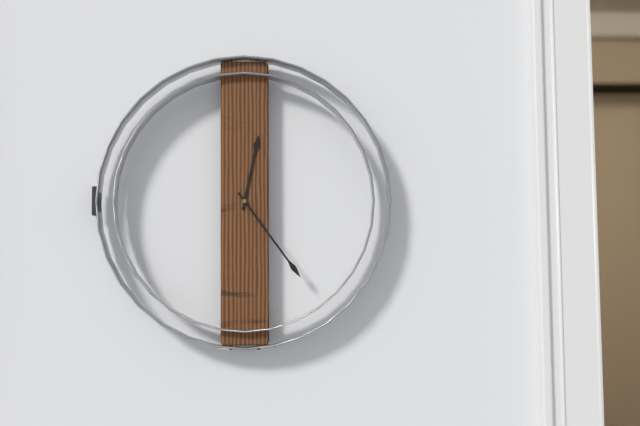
12 h 24 min
